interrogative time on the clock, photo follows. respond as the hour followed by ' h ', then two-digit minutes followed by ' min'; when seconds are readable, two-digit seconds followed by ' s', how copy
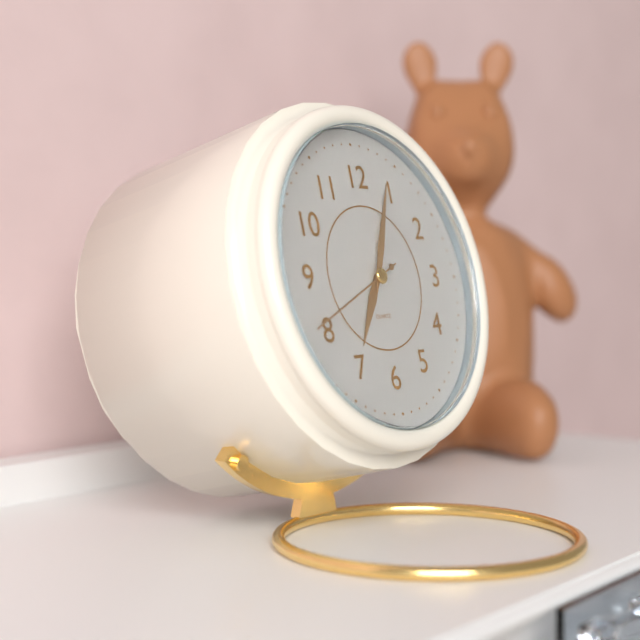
7 h 04 min 41 s
